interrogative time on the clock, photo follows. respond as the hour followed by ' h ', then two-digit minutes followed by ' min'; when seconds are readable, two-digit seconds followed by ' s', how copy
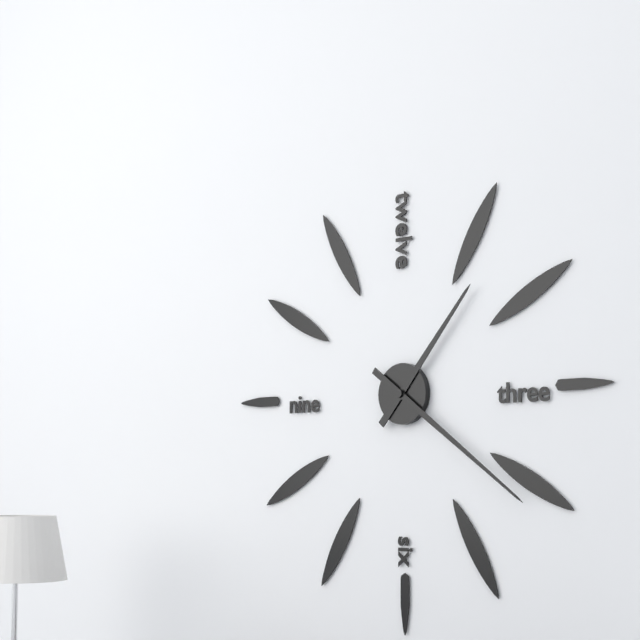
1 h 21 min
